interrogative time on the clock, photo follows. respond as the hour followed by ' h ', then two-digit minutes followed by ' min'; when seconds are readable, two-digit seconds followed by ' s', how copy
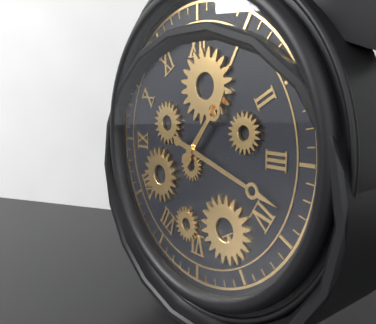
1 h 18 min
